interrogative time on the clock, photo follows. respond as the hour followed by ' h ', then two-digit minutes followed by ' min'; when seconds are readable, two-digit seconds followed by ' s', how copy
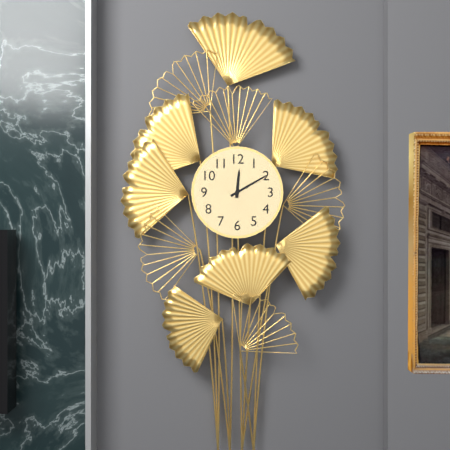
12 h 10 min
